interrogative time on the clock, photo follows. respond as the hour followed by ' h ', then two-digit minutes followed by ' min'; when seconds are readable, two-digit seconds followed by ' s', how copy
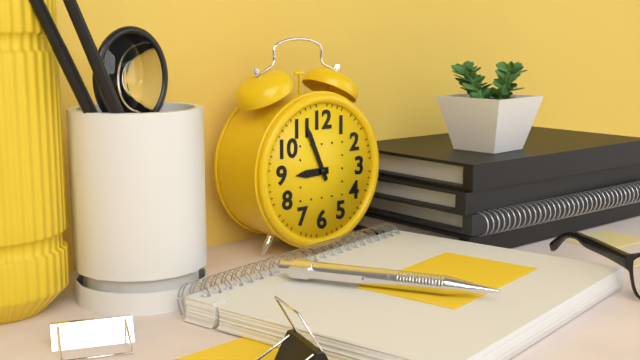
8 h 56 min
